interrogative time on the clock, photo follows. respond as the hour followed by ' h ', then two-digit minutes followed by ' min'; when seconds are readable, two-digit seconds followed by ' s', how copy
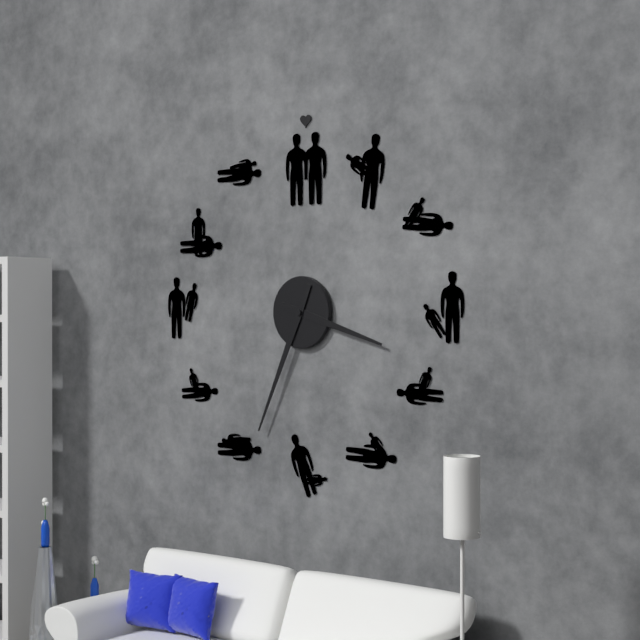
3 h 34 min
